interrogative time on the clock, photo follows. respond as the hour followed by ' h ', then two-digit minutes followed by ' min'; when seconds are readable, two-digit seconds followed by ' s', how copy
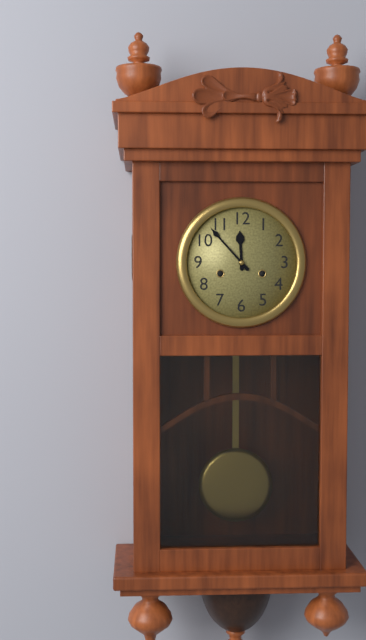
11 h 53 min
